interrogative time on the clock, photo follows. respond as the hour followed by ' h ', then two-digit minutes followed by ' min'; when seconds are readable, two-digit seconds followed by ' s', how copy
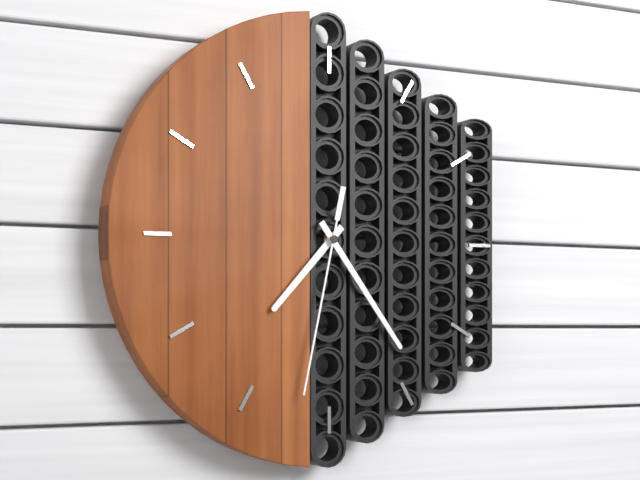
7 h 24 min 32 s
